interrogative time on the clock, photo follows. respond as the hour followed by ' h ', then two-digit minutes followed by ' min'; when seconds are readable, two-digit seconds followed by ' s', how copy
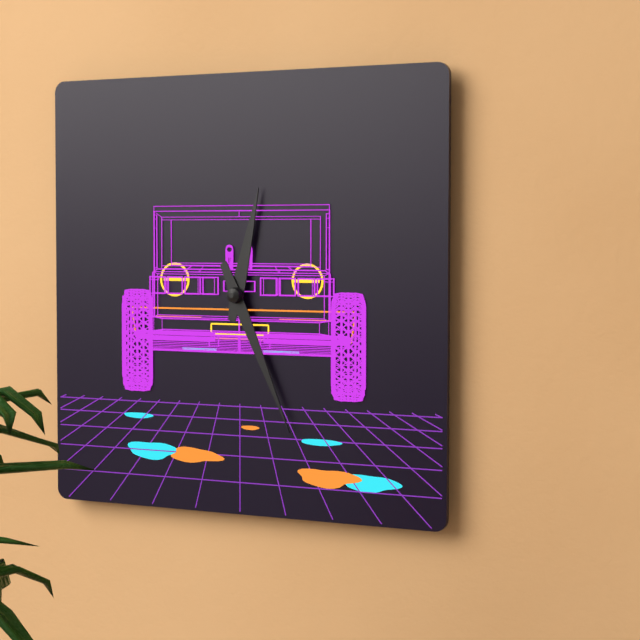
12 h 26 min
